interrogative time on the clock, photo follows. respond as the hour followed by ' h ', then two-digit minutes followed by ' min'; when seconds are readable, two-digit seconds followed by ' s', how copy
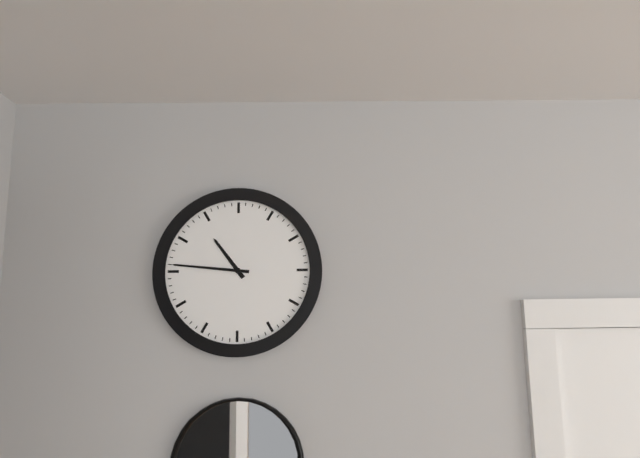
10 h 46 min
